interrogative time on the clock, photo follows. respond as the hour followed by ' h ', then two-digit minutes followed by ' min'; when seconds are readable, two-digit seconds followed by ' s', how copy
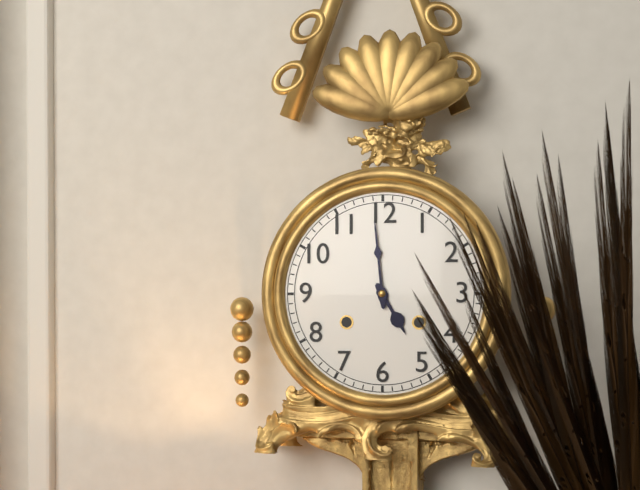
4 h 59 min
